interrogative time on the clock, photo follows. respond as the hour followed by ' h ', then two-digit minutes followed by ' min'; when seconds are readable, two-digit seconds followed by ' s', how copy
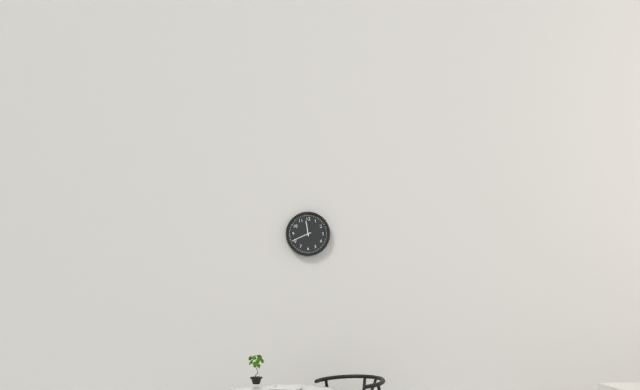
11 h 41 min
